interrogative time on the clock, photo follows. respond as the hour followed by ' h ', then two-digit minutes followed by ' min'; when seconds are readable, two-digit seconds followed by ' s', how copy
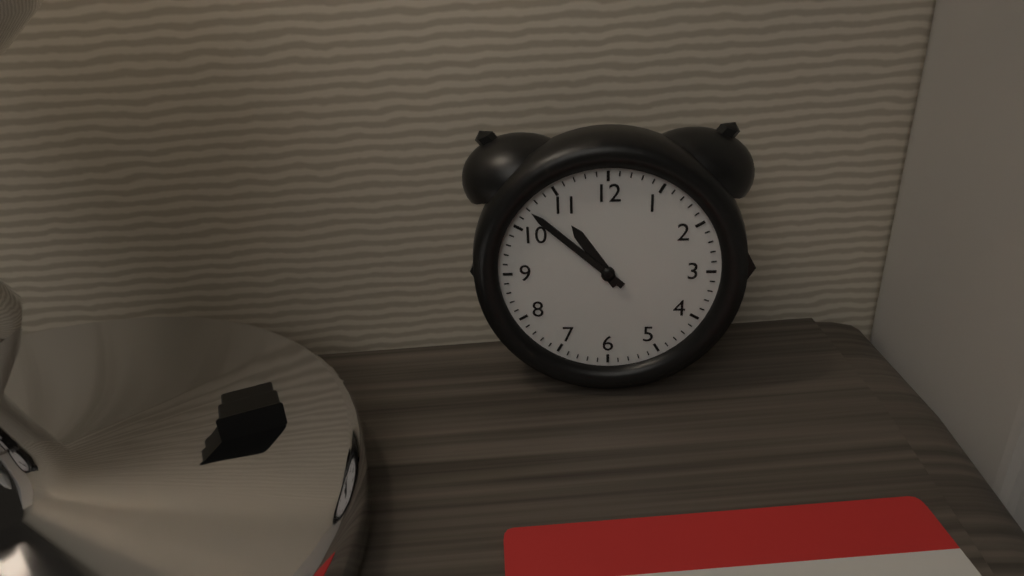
10 h 52 min
